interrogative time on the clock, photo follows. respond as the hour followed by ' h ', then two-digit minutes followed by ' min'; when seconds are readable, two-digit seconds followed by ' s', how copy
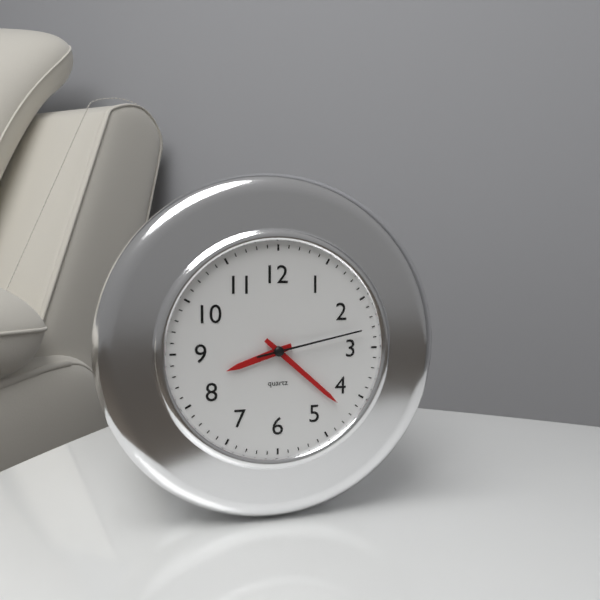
8 h 22 min 13 s
